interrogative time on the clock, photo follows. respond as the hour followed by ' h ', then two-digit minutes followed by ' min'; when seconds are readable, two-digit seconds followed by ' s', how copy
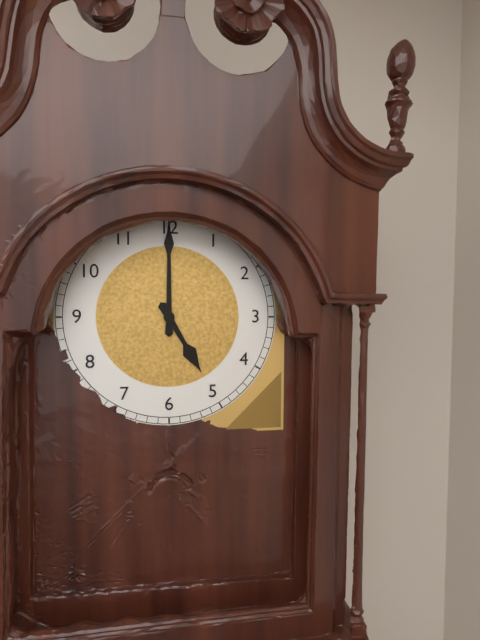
5 h 00 min
